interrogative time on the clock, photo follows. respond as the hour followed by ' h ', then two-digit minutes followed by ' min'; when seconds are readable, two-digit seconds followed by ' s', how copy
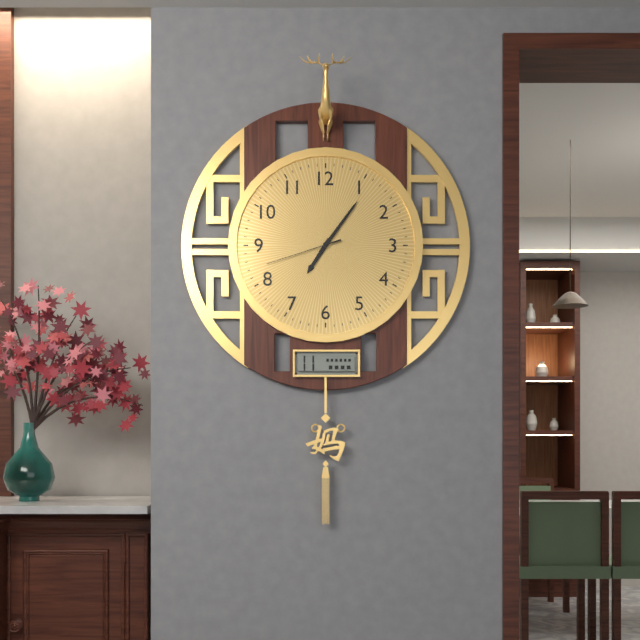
7 h 06 min 42 s
